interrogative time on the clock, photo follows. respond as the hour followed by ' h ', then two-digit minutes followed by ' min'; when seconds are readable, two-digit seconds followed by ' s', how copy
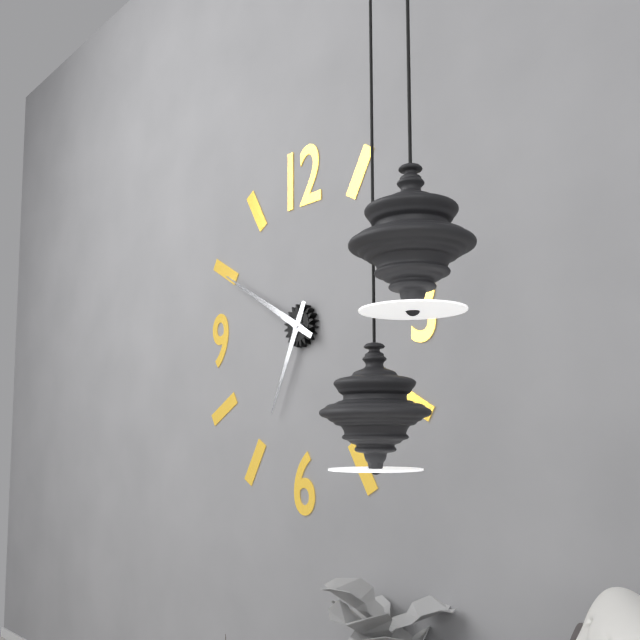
6 h 50 min
